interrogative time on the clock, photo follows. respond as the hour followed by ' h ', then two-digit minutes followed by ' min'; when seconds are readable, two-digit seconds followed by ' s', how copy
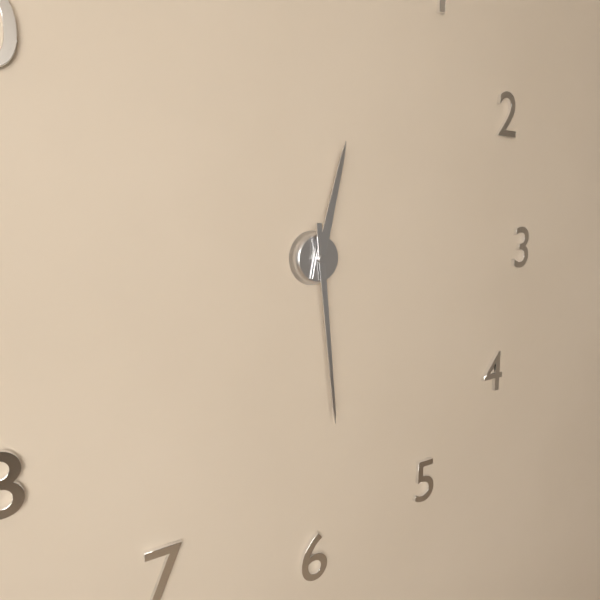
12 h 29 min
